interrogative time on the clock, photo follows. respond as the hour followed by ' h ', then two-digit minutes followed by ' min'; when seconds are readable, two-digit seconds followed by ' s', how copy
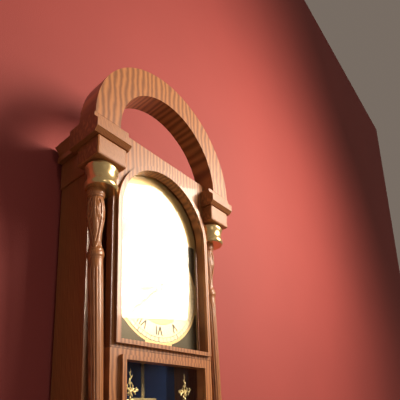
8 h 38 min
